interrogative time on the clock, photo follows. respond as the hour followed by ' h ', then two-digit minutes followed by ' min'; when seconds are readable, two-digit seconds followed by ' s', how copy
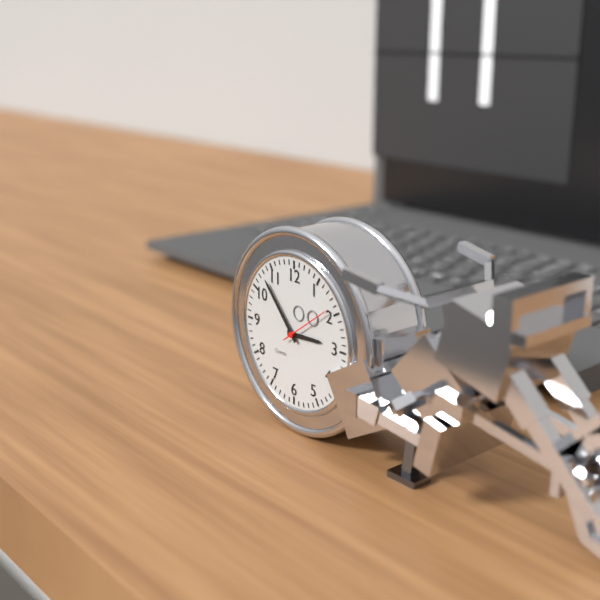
2 h 53 min 09 s
